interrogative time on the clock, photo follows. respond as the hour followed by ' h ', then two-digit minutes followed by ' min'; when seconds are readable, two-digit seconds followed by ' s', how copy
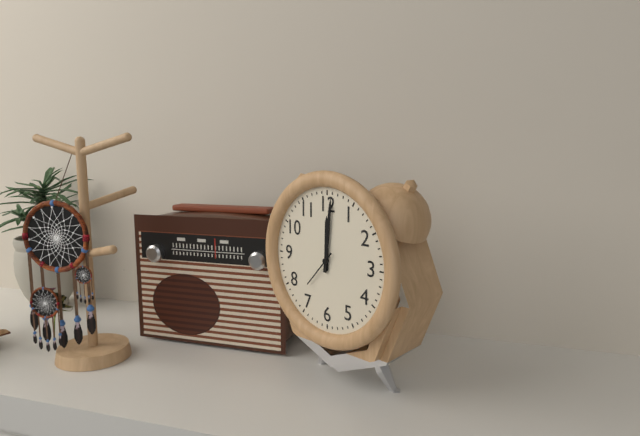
12 h 01 min
